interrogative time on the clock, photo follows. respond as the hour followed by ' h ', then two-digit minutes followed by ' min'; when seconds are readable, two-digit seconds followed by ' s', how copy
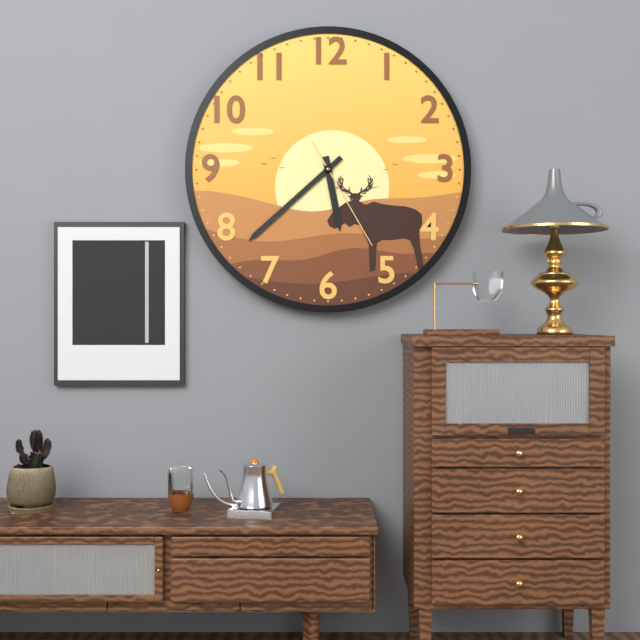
5 h 38 min 25 s
